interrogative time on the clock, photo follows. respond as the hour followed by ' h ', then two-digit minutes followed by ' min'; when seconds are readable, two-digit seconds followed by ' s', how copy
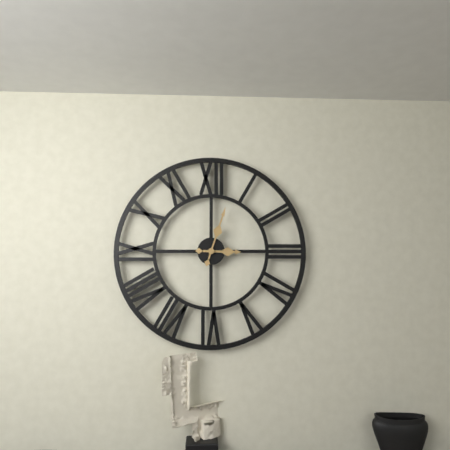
3 h 03 min
